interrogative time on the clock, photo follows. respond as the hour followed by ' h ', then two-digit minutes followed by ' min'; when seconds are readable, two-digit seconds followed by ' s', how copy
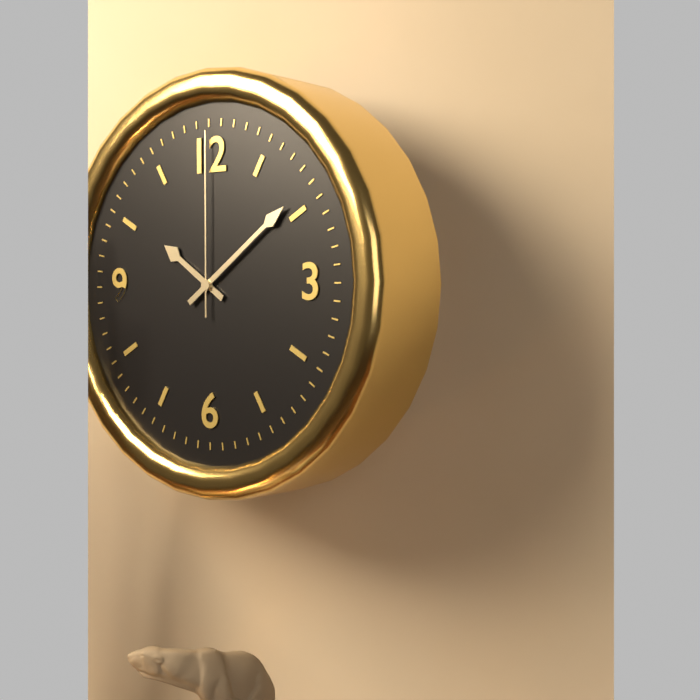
10 h 09 min 00 s
